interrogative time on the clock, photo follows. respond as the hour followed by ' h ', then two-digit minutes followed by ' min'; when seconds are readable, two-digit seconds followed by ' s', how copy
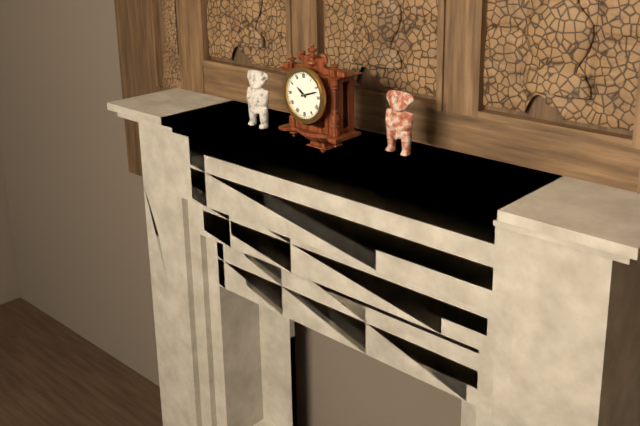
10 h 12 min
